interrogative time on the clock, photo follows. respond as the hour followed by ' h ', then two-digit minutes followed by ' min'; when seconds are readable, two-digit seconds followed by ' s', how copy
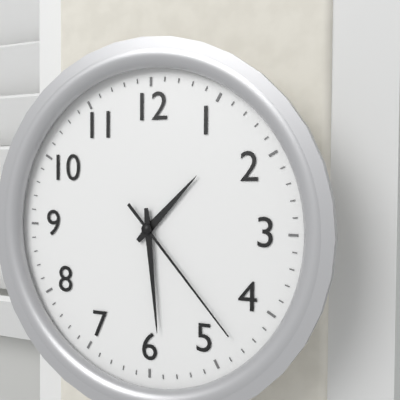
1 h 29 min 23 s
